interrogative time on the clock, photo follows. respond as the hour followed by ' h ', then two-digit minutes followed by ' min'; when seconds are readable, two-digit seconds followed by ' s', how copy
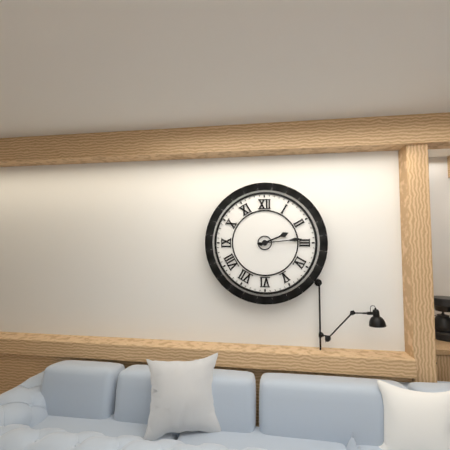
2 h 14 min
